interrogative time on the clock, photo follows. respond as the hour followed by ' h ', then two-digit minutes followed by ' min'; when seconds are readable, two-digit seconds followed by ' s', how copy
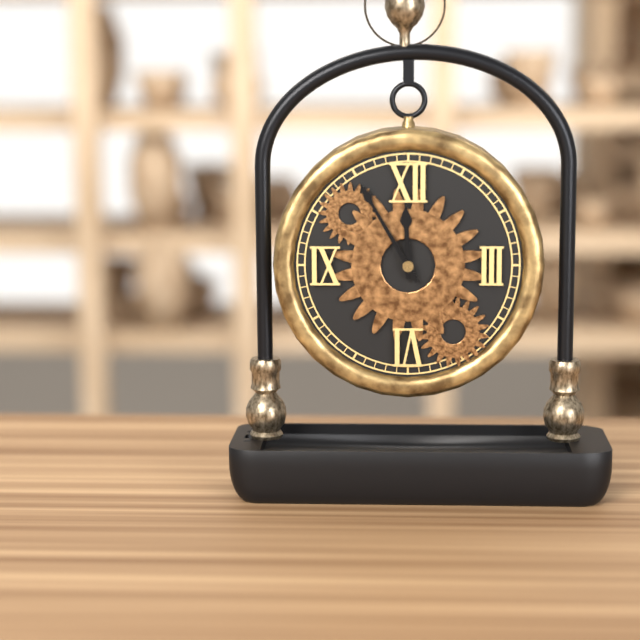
11 h 55 min
